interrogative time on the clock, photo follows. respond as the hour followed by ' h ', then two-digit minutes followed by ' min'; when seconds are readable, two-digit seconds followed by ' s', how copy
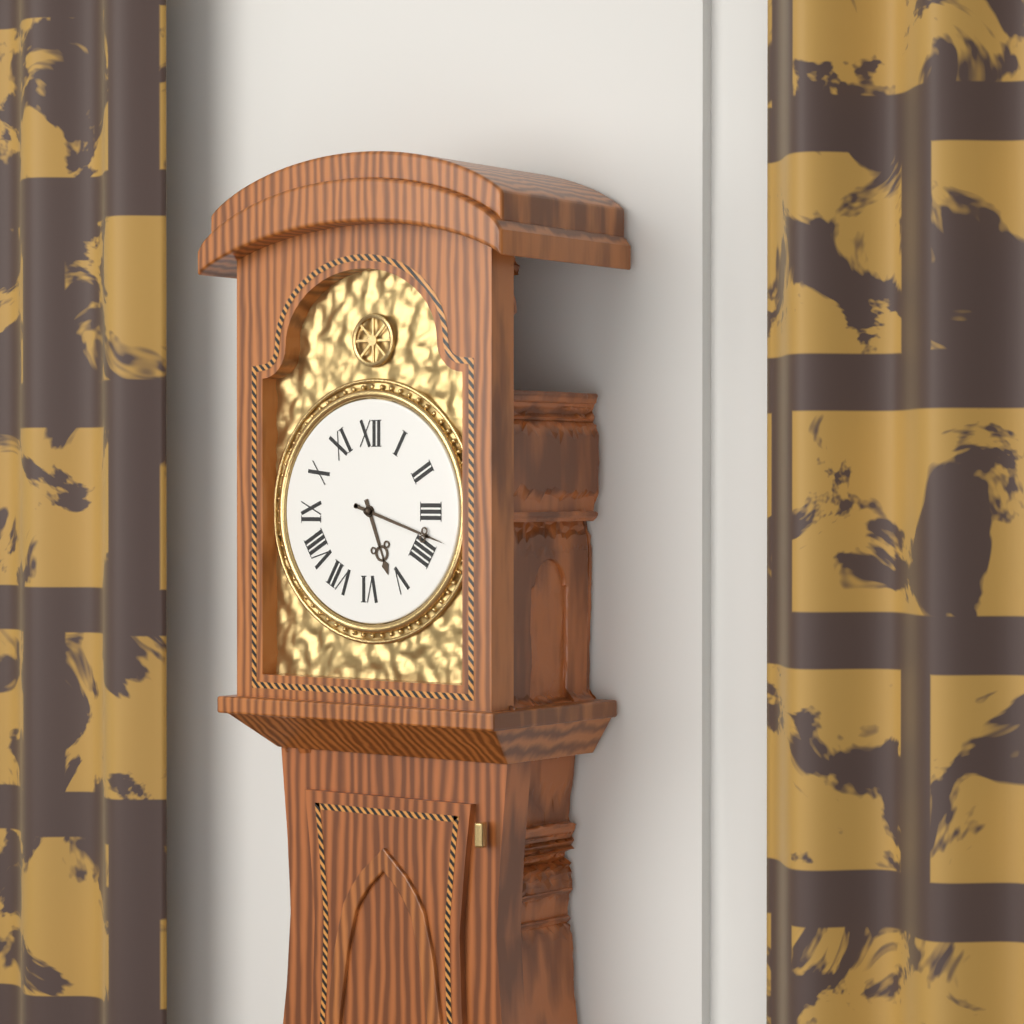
5 h 18 min
